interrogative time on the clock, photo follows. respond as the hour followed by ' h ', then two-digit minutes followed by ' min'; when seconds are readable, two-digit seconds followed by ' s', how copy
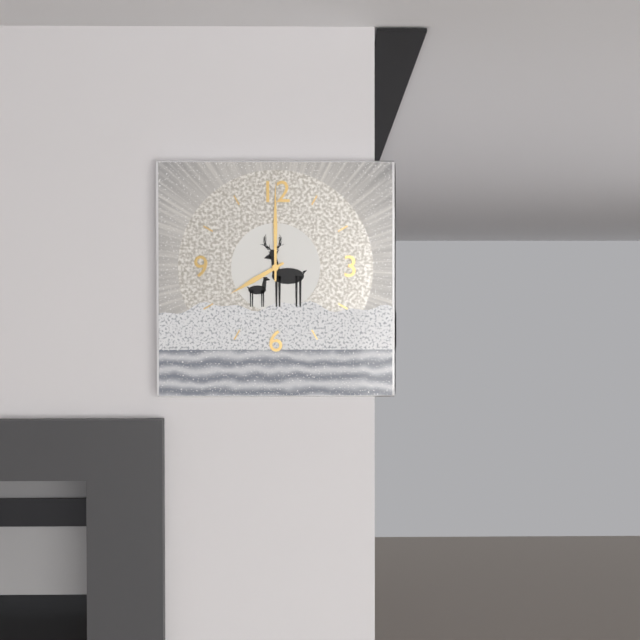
8 h 00 min
